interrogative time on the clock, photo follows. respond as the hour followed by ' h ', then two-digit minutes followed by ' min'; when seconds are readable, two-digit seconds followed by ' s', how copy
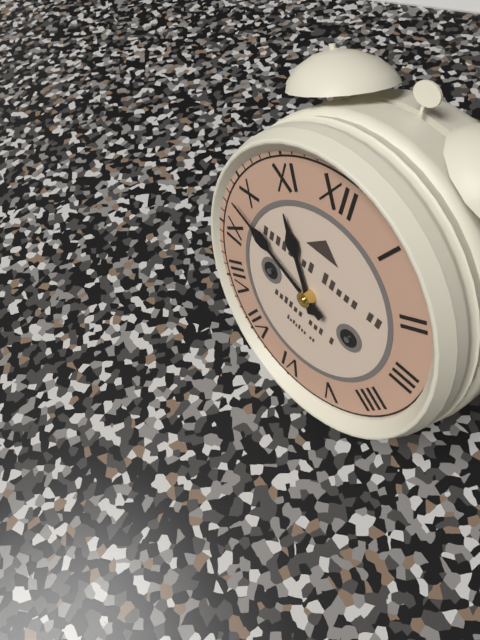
10 h 48 min
